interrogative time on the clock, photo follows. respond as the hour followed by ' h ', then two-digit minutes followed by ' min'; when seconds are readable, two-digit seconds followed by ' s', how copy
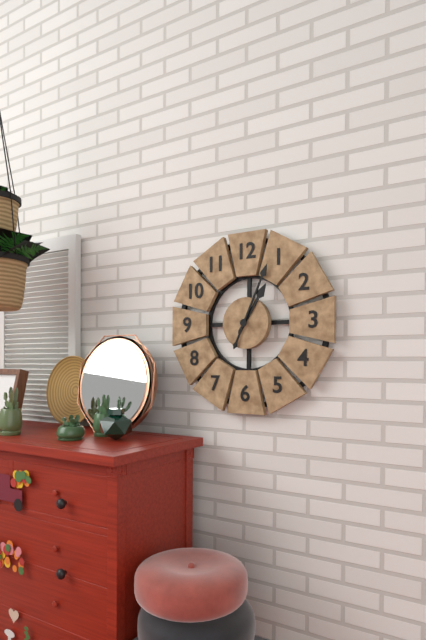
1 h 04 min
